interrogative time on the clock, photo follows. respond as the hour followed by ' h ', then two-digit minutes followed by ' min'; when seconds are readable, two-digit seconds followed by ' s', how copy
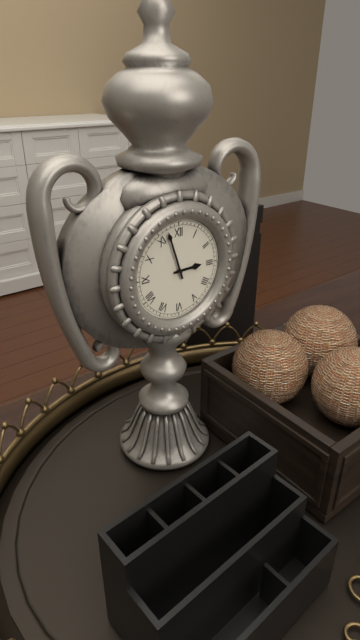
2 h 57 min
